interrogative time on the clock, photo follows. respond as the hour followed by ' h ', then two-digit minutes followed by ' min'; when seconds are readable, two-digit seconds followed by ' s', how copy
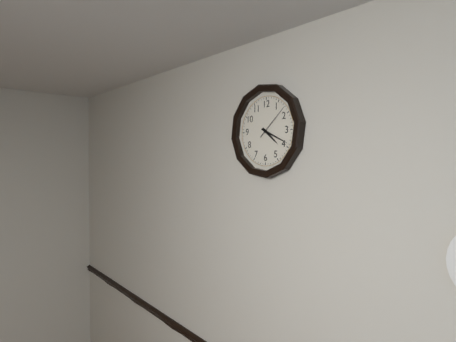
4 h 19 min
